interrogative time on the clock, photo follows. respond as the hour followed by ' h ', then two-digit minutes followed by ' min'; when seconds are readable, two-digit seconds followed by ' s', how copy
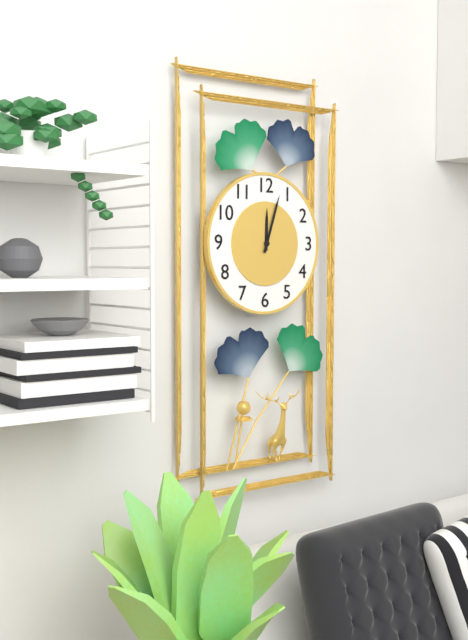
12 h 03 min
